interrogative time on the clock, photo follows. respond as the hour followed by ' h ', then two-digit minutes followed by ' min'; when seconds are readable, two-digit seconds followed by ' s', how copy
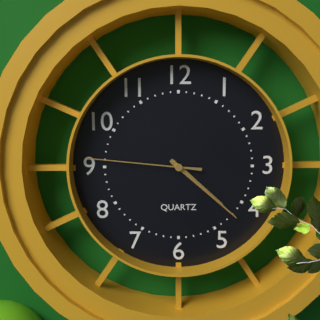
4 h 22 min 46 s
